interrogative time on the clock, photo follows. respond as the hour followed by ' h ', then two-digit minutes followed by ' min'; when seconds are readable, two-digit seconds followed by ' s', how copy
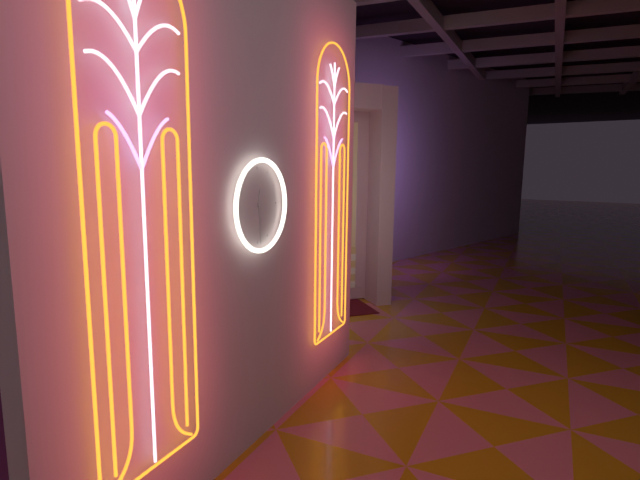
12 h 29 min
